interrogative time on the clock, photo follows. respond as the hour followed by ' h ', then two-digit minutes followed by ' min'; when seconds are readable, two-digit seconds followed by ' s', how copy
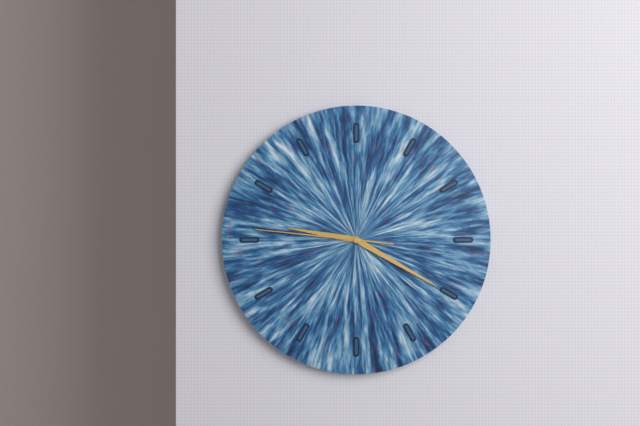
9 h 20 min 46 s
